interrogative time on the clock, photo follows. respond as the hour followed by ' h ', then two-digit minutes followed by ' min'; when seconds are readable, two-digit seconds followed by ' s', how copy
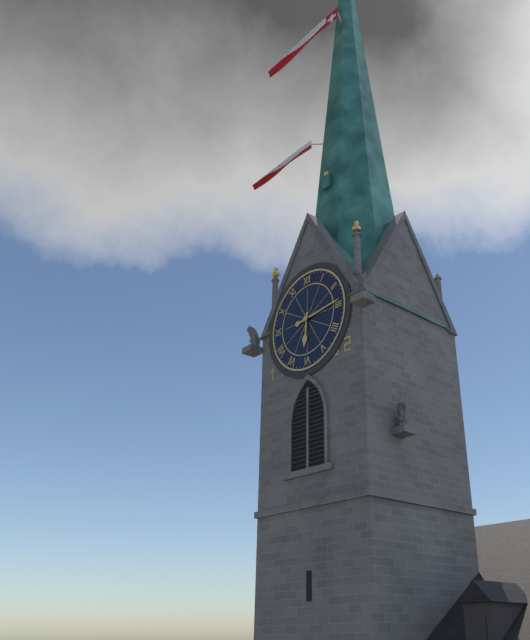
6 h 14 min
